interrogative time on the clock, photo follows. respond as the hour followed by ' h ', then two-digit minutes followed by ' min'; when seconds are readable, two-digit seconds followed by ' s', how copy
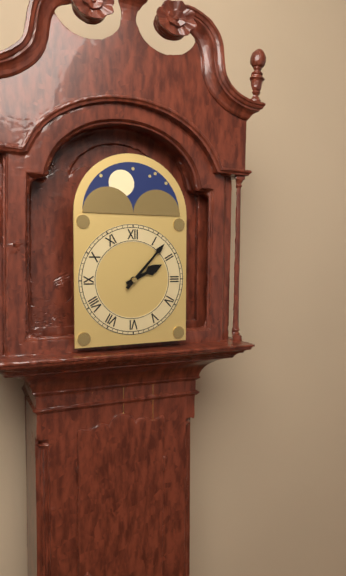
2 h 07 min
